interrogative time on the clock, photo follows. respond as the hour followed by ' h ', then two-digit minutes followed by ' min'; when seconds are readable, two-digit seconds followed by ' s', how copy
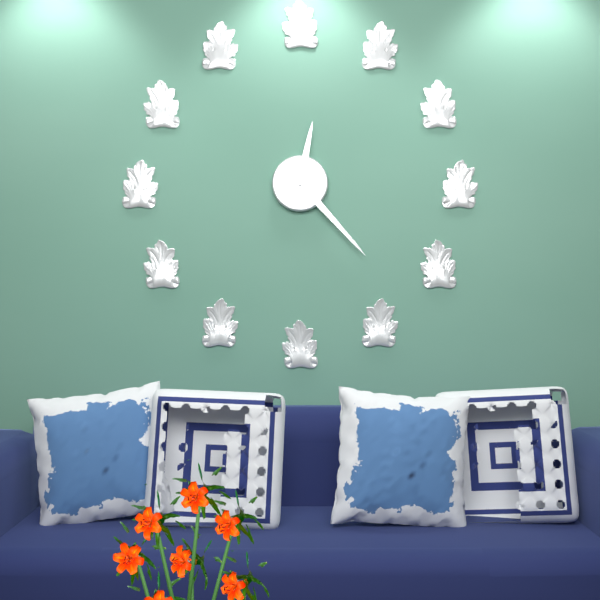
12 h 23 min
